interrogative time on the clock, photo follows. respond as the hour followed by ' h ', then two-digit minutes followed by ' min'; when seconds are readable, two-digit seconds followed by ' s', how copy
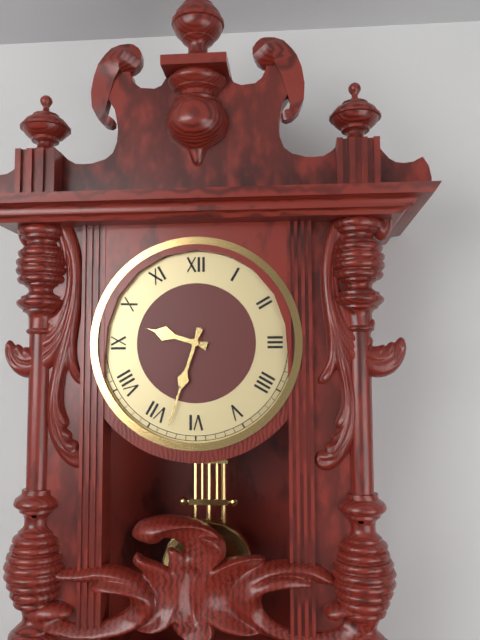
9 h 33 min
